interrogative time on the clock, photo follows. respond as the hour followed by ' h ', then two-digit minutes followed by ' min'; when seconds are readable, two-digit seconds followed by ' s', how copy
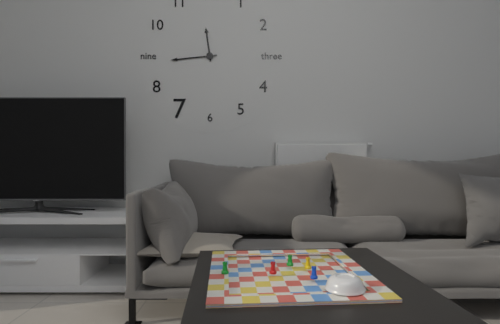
11 h 44 min
